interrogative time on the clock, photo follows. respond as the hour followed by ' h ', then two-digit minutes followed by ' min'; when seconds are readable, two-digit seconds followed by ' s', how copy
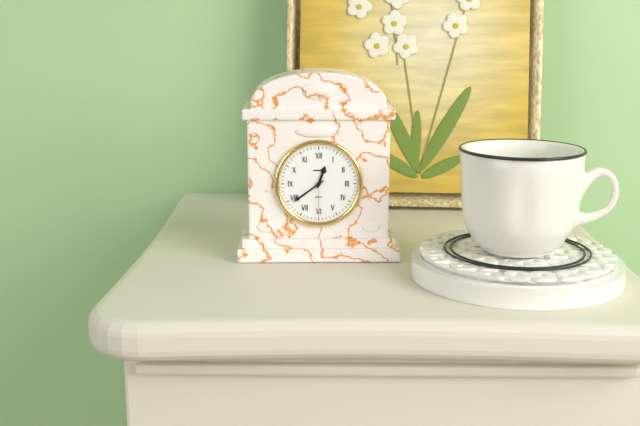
12 h 39 min
